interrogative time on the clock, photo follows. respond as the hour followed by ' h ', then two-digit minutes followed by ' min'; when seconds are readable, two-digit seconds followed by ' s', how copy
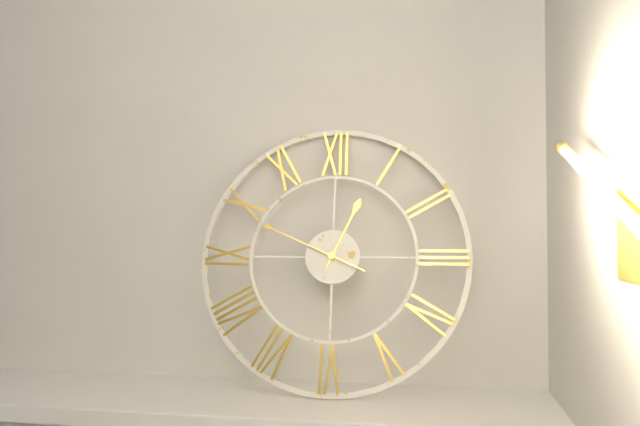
12 h 49 min
